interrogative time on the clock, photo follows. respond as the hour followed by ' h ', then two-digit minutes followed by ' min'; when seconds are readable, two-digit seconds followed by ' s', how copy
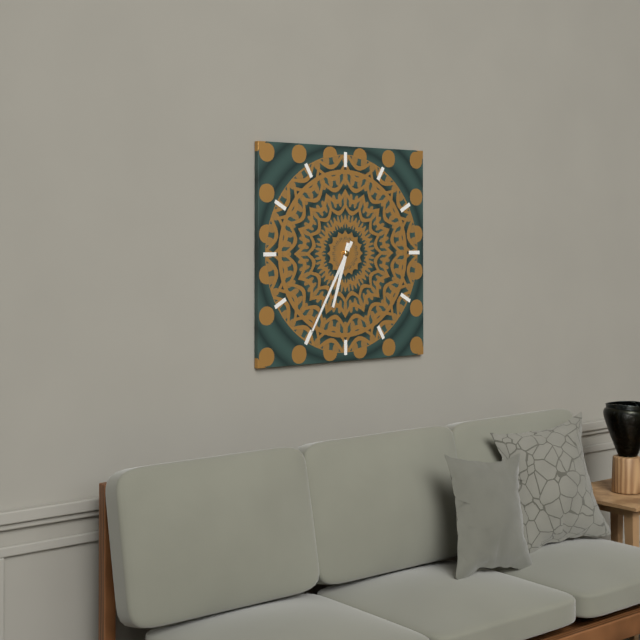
6 h 35 min
